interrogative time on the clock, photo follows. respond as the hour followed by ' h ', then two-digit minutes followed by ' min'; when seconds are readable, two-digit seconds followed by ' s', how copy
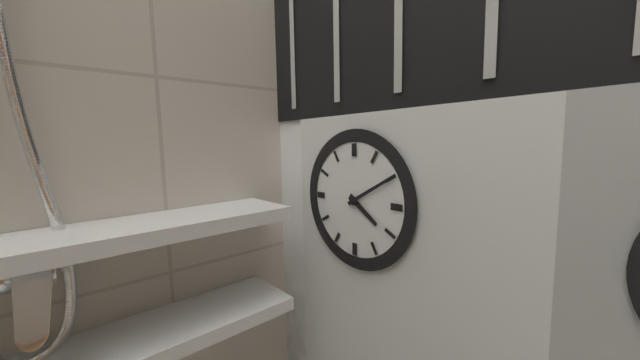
4 h 10 min
